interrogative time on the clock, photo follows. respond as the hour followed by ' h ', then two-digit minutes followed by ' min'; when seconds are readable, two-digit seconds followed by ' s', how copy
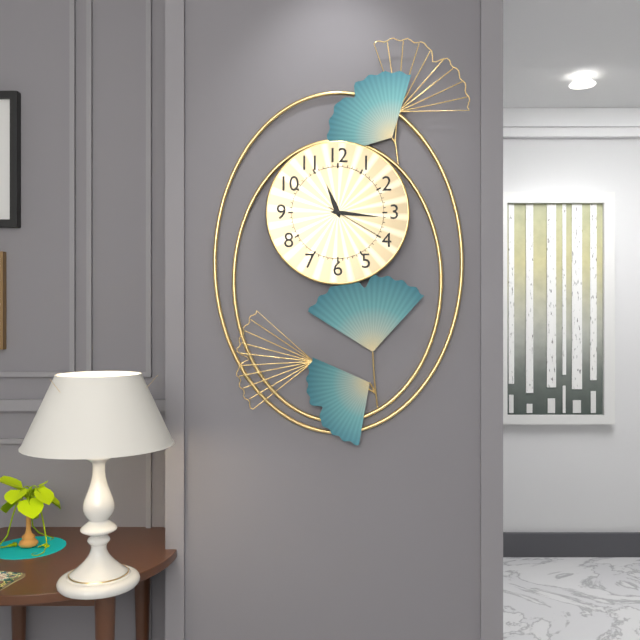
11 h 16 min 20 s
